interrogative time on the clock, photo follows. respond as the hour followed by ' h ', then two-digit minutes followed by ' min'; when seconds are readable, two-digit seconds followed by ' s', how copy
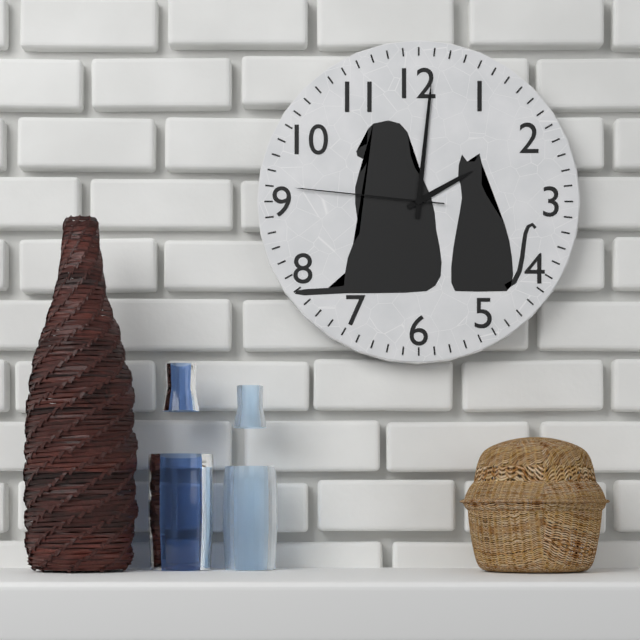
2 h 01 min 46 s
